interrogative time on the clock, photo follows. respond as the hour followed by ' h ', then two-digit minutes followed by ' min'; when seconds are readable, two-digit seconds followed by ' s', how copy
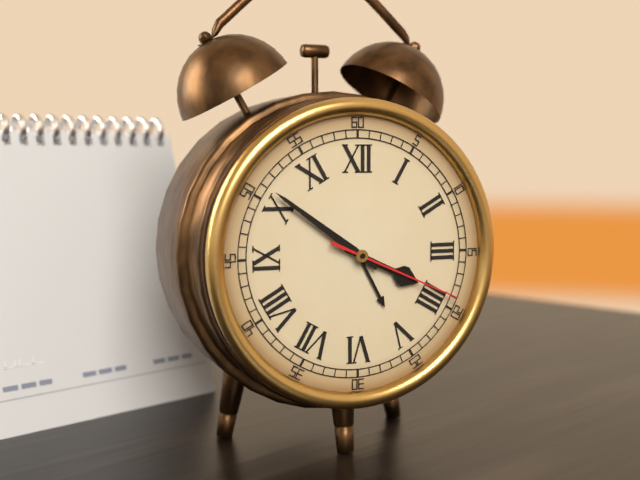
3 h 51 min 19 s
